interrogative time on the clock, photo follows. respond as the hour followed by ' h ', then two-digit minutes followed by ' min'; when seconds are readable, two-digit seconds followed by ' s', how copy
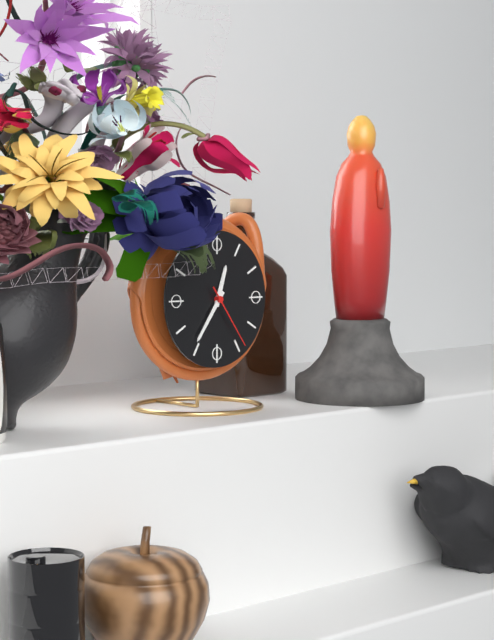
12 h 36 min 24 s
